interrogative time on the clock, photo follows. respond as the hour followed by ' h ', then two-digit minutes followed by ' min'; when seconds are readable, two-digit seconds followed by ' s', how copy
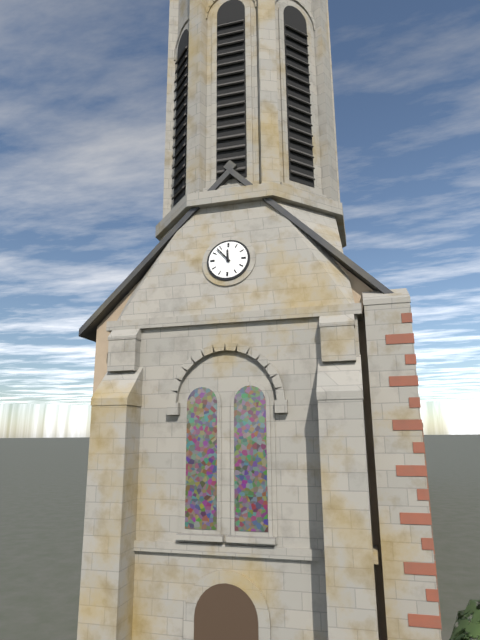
11 h 53 min
